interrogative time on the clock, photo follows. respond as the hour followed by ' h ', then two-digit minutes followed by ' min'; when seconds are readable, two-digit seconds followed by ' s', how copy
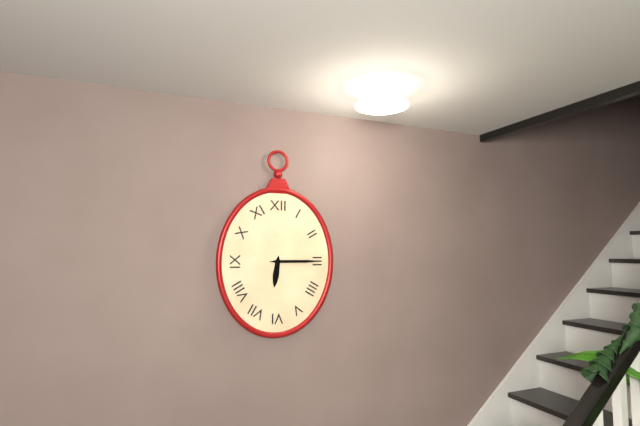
6 h 15 min
